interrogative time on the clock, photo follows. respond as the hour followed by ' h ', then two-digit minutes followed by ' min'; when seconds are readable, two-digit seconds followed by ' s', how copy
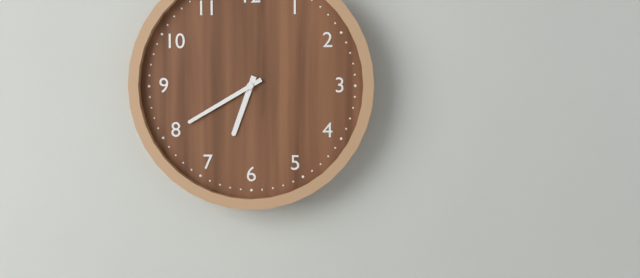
6 h 40 min
